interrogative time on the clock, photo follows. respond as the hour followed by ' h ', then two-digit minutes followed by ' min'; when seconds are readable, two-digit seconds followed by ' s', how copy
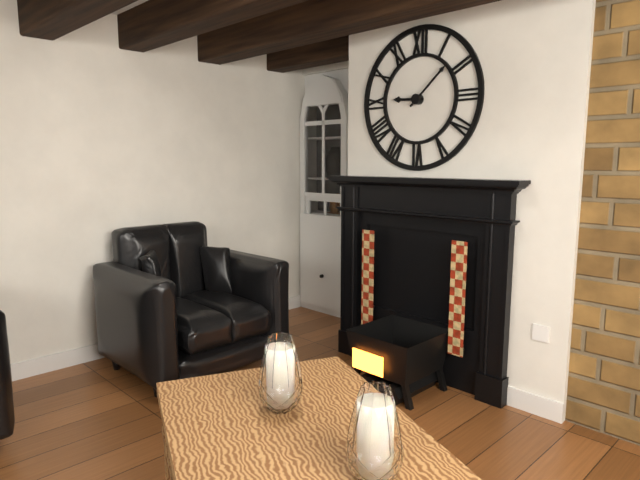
9 h 08 min
